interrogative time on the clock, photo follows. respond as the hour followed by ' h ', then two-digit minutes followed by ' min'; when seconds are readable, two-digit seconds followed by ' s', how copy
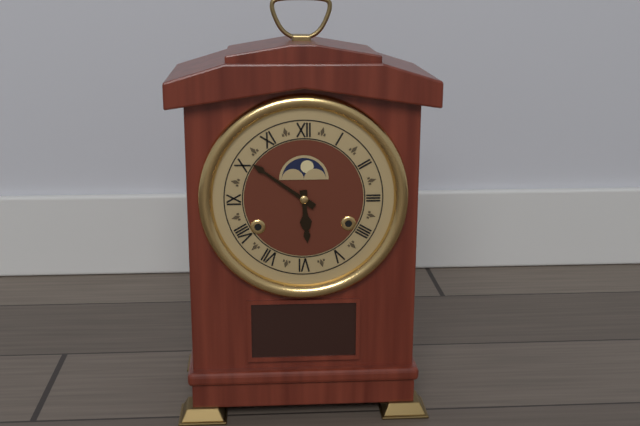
5 h 51 min
